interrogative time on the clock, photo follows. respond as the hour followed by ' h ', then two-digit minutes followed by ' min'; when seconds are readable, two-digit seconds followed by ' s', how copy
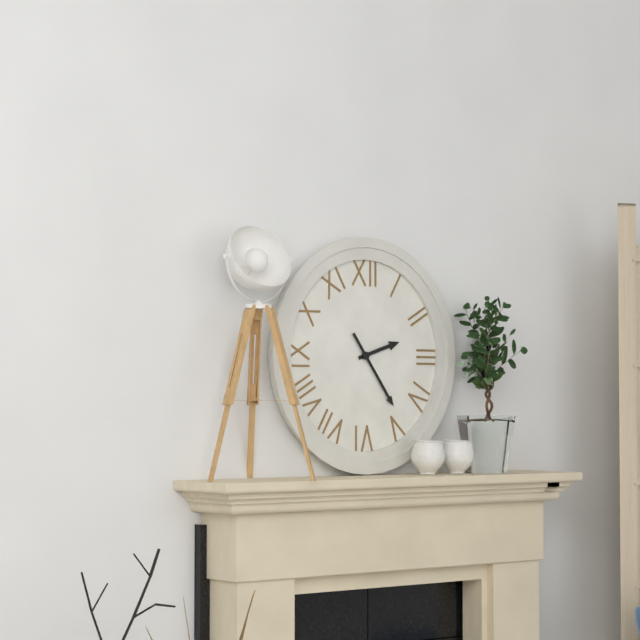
2 h 24 min
